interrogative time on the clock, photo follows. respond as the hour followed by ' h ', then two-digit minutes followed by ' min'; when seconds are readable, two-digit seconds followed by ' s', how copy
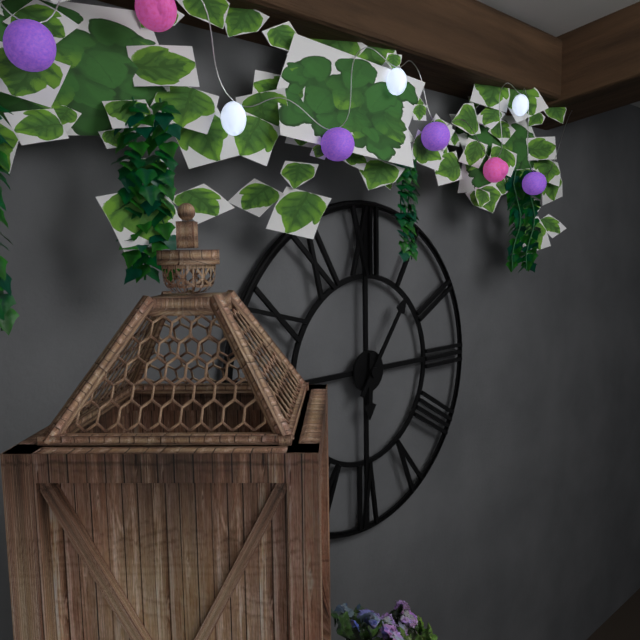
6 h 06 min
